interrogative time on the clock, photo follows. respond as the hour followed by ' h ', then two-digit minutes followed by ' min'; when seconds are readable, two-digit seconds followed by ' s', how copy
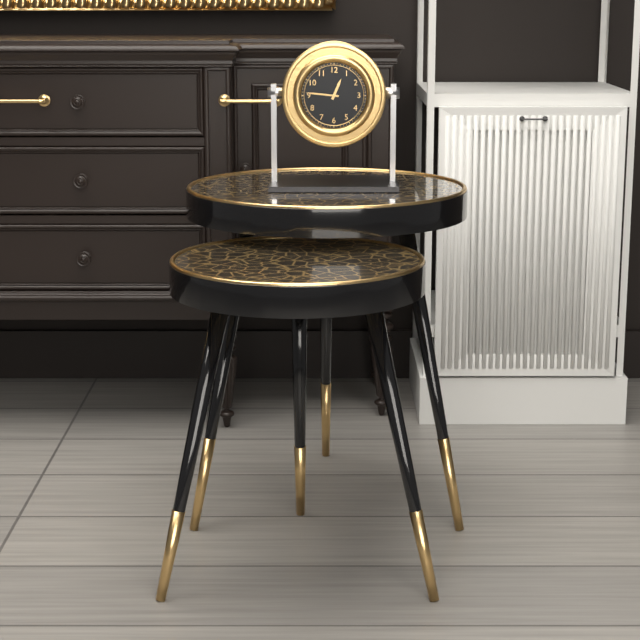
12 h 46 min
